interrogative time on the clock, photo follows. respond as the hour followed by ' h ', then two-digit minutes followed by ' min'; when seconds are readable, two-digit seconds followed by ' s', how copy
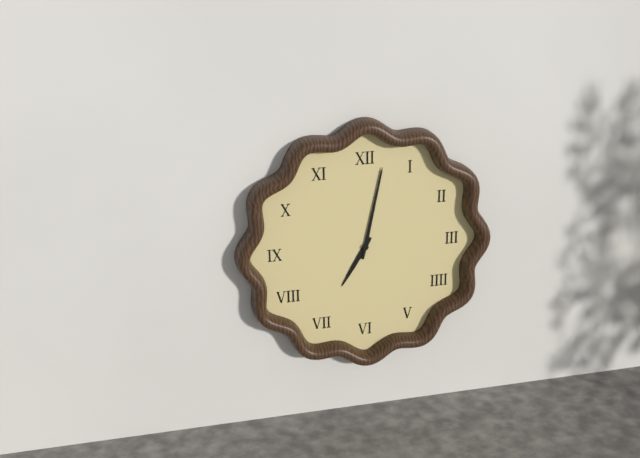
7 h 02 min
